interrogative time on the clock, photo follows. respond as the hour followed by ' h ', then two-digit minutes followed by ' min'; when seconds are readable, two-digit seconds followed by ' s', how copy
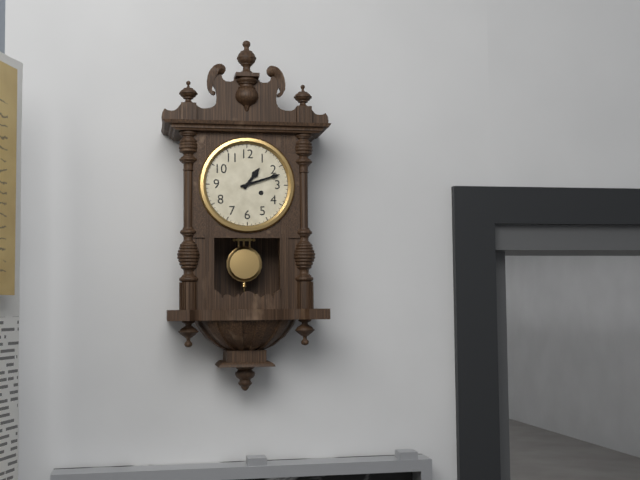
1 h 12 min
